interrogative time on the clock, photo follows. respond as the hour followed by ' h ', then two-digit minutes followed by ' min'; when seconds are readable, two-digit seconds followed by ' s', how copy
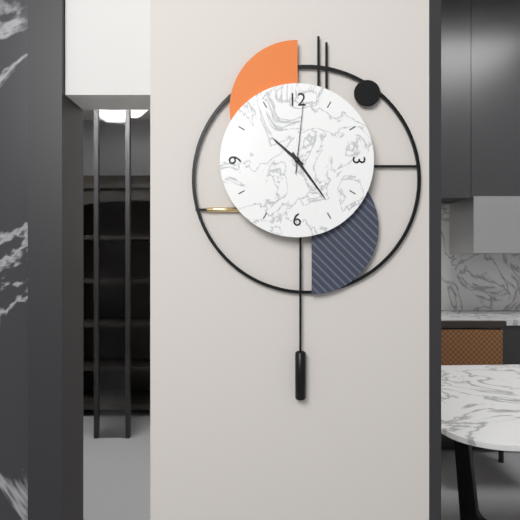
10 h 24 min 01 s
